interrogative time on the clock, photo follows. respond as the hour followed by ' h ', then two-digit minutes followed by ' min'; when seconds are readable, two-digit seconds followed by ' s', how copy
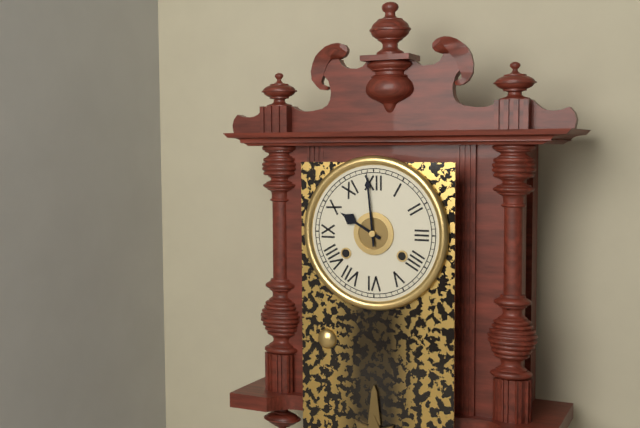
9 h 59 min
